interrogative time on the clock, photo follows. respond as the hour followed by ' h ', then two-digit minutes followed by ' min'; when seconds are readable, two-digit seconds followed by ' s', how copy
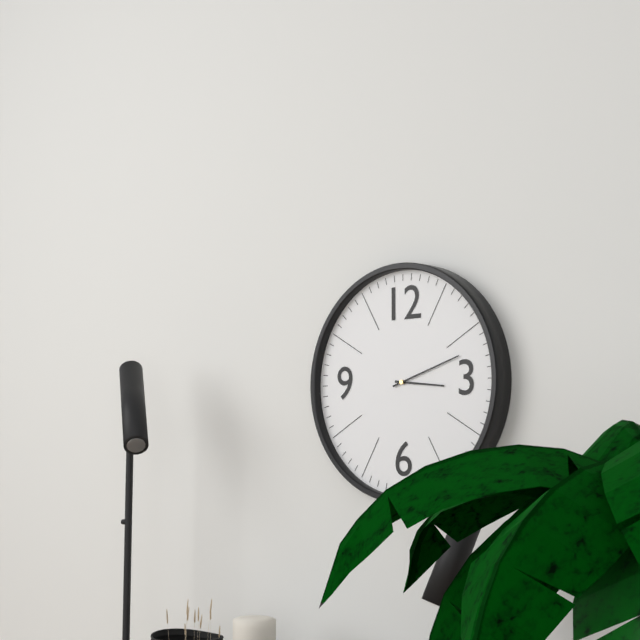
3 h 12 min
